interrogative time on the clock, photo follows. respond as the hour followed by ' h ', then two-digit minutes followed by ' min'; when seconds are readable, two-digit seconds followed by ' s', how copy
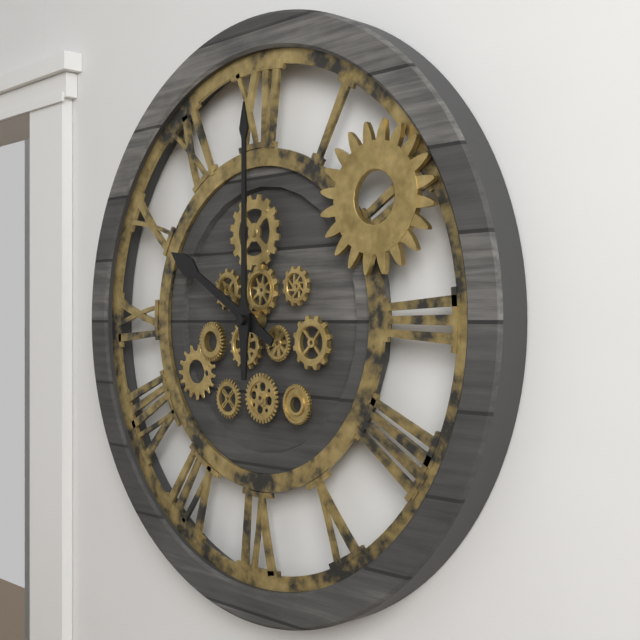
10 h 00 min
